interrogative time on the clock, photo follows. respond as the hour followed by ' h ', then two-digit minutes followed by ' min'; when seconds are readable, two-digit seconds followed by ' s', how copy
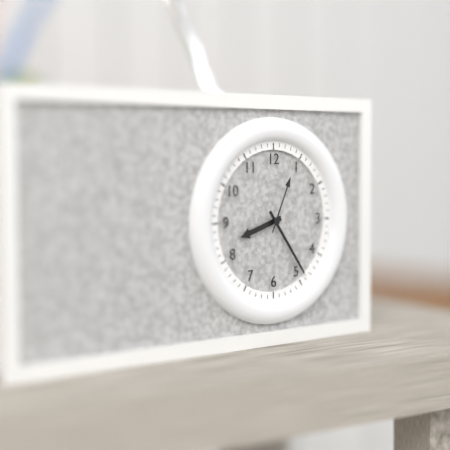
8 h 24 min 04 s
